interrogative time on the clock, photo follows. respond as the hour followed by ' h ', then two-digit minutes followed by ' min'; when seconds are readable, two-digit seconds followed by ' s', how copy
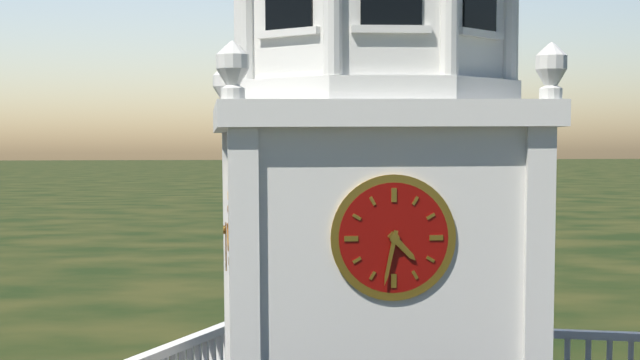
4 h 32 min
